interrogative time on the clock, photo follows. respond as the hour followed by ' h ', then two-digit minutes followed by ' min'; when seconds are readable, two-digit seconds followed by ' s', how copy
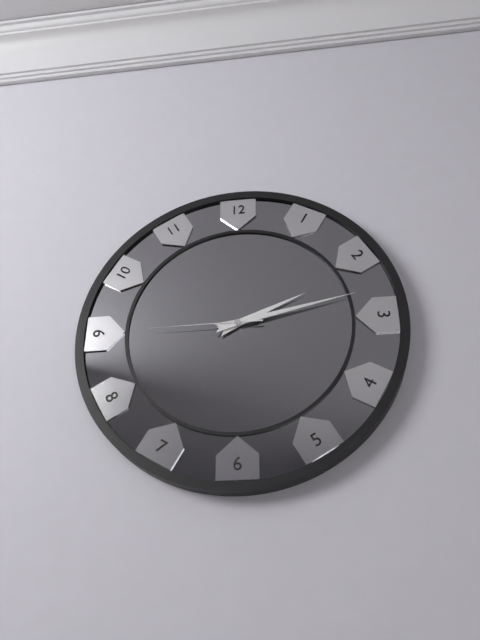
2 h 13 min 45 s
